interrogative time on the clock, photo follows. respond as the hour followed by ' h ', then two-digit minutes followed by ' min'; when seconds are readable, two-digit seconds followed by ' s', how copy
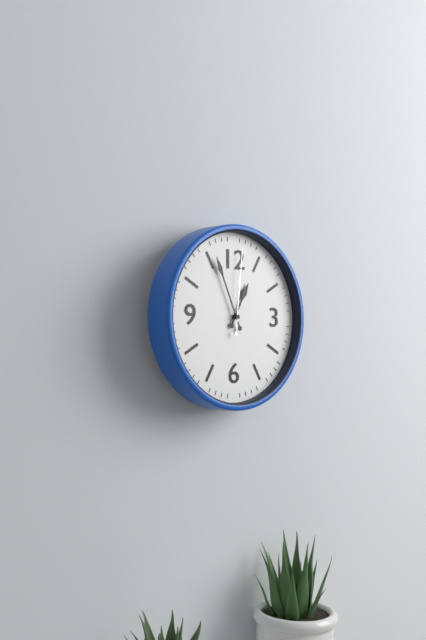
12 h 56 min 01 s
